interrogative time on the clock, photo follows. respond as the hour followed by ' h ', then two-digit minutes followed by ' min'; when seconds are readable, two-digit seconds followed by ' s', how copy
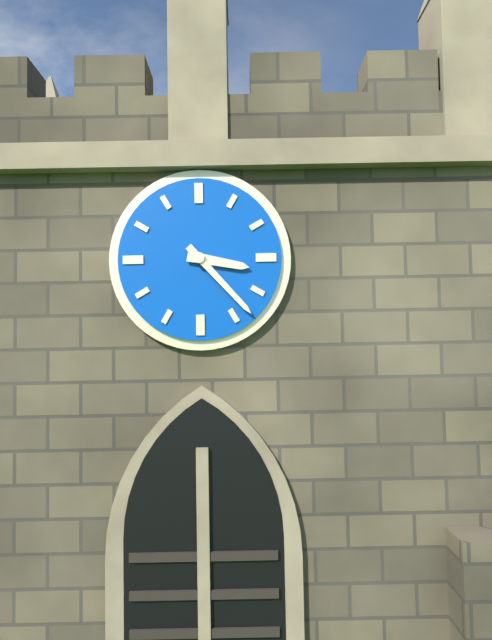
3 h 23 min
